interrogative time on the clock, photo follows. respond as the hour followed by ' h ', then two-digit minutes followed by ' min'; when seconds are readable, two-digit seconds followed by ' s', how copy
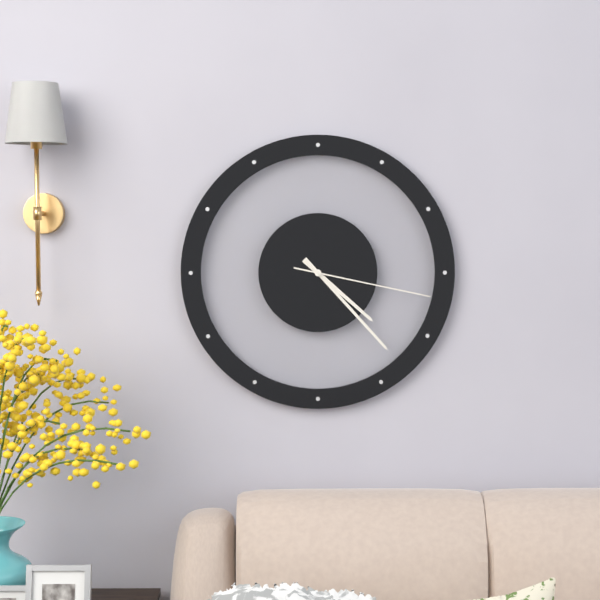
4 h 23 min 17 s
